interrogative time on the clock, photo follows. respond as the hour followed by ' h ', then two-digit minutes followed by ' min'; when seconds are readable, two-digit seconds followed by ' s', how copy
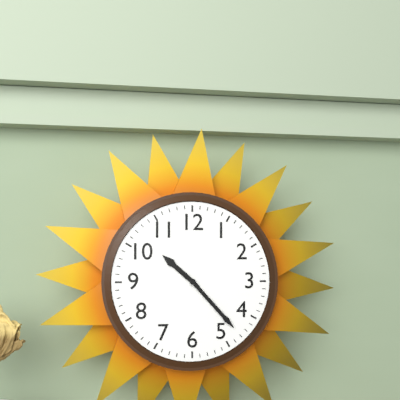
10 h 23 min
